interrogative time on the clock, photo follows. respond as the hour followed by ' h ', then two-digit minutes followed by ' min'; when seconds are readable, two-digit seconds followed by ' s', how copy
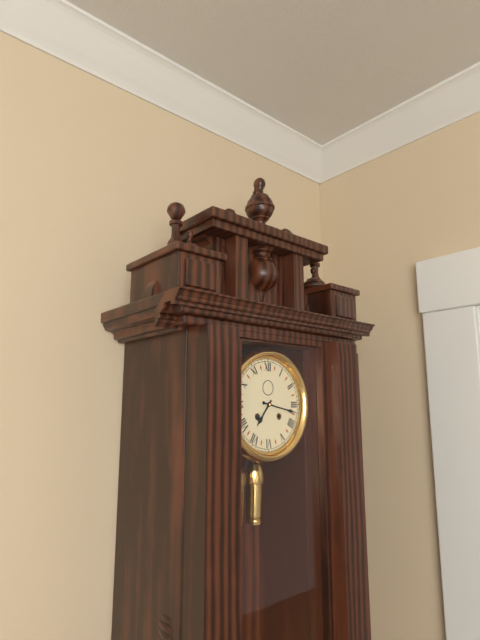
7 h 17 min
